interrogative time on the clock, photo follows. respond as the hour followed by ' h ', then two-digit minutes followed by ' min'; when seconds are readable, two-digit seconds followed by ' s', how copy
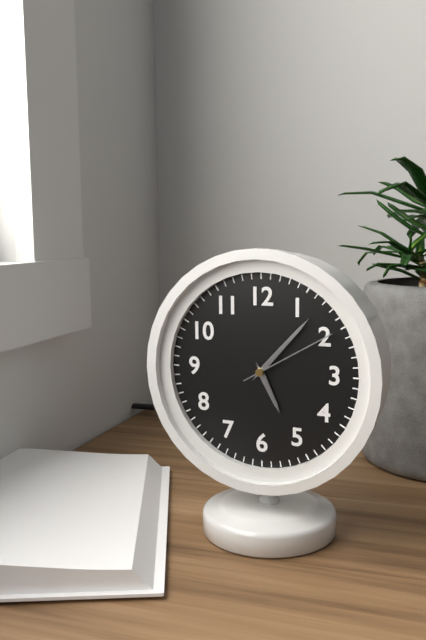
5 h 07 min 10 s
